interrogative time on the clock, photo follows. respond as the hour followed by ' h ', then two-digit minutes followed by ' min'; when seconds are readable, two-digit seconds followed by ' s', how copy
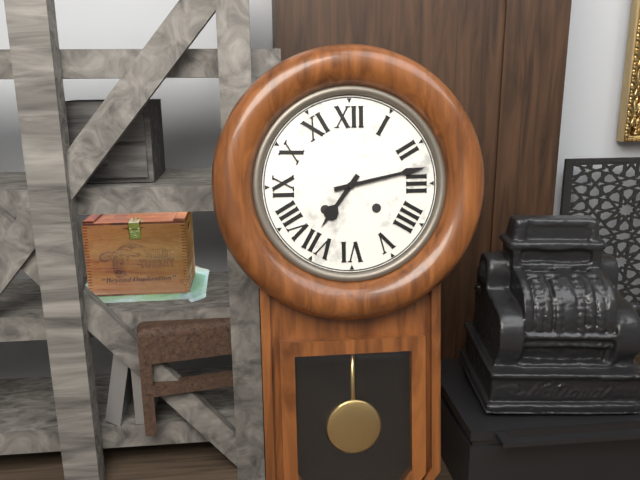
7 h 13 min
